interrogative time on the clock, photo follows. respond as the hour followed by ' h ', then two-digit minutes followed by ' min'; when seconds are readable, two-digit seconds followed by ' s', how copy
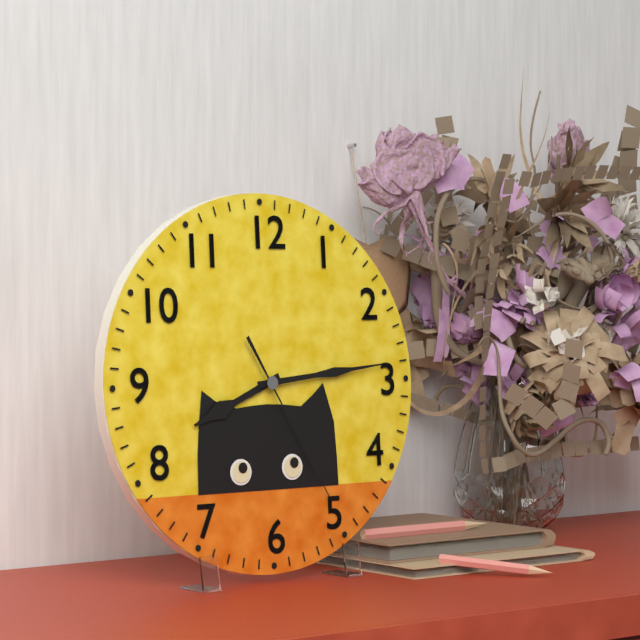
8 h 14 min 25 s
